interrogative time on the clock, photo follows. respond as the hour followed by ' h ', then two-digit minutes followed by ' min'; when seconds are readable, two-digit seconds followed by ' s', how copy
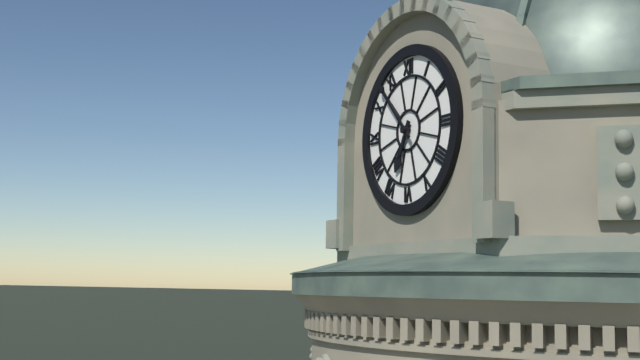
6 h 53 min
